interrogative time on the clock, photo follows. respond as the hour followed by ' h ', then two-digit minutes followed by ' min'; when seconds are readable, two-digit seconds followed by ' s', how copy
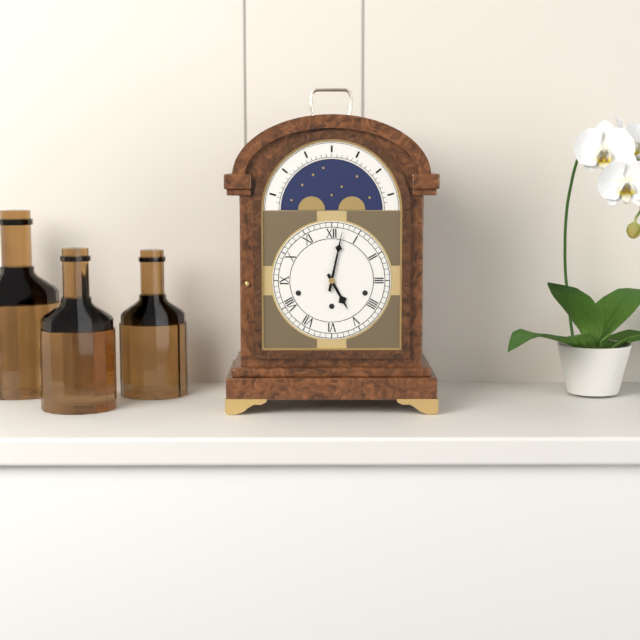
5 h 02 min
